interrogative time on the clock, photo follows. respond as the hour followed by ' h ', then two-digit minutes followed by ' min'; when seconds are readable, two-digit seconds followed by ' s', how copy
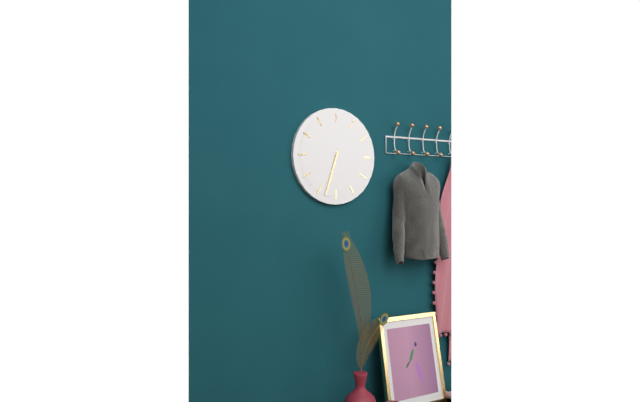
6 h 33 min
